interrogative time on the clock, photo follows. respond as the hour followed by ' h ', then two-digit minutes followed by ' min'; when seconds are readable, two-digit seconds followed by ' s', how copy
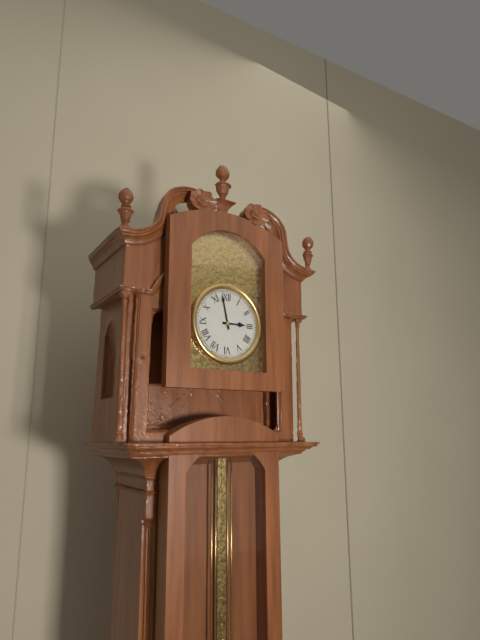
2 h 58 min
